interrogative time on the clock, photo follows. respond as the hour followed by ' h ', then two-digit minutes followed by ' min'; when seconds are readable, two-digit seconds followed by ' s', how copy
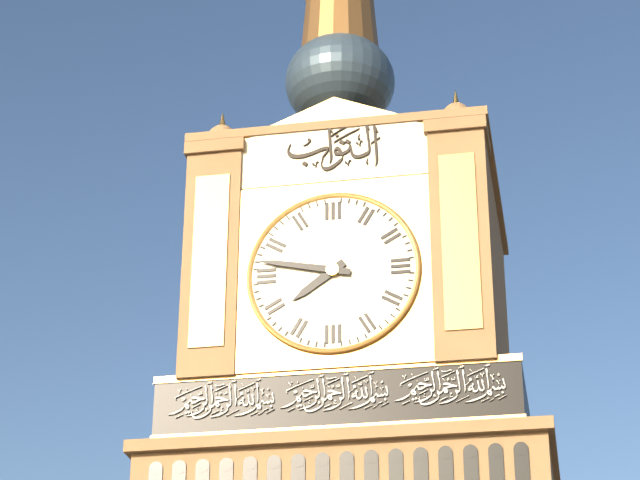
7 h 47 min
